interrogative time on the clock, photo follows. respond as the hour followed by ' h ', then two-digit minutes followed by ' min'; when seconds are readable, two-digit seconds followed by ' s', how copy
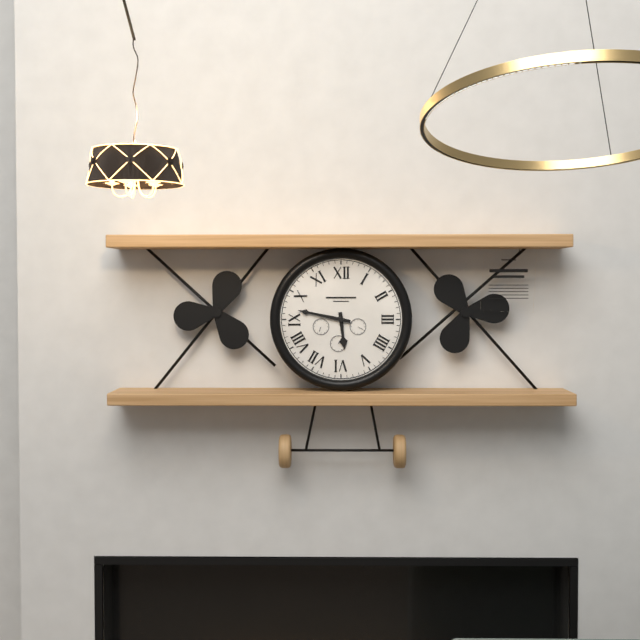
5 h 47 min
